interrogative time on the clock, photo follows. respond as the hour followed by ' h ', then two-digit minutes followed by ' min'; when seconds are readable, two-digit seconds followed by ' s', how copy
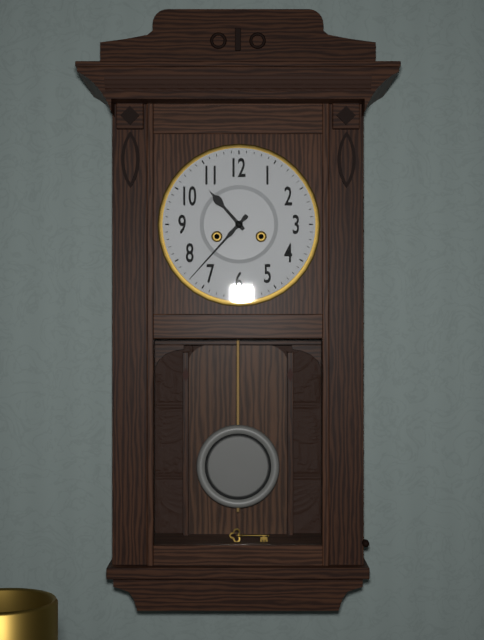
10 h 37 min
